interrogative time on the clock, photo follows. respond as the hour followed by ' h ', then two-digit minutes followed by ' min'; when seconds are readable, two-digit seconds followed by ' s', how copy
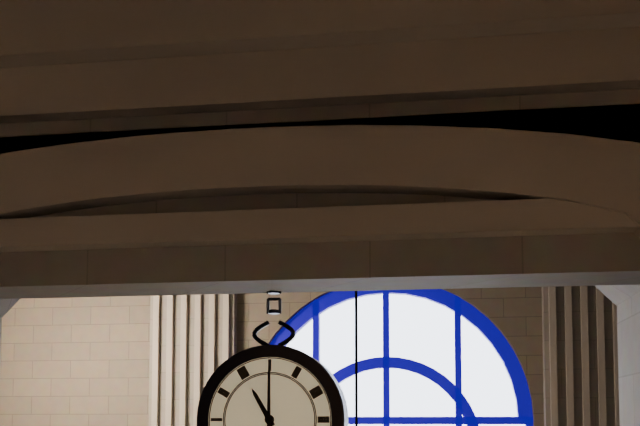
11 h 00 min
